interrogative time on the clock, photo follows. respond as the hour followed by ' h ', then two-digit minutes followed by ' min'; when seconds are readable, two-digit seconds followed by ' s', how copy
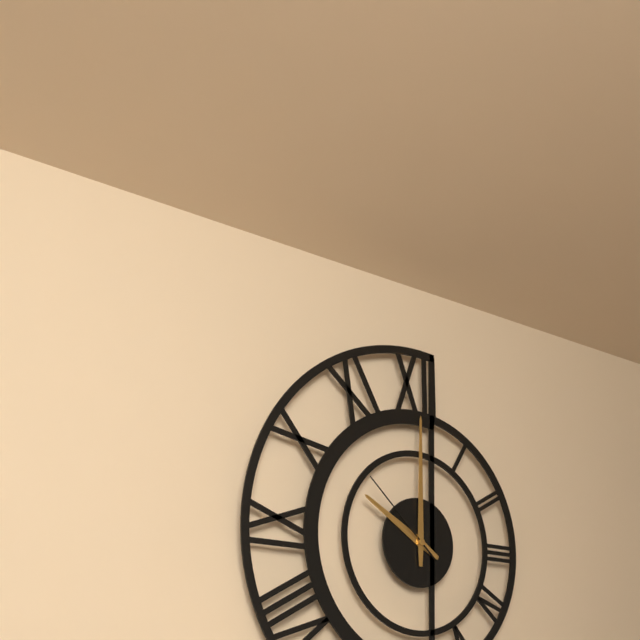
10 h 00 min 52 s
